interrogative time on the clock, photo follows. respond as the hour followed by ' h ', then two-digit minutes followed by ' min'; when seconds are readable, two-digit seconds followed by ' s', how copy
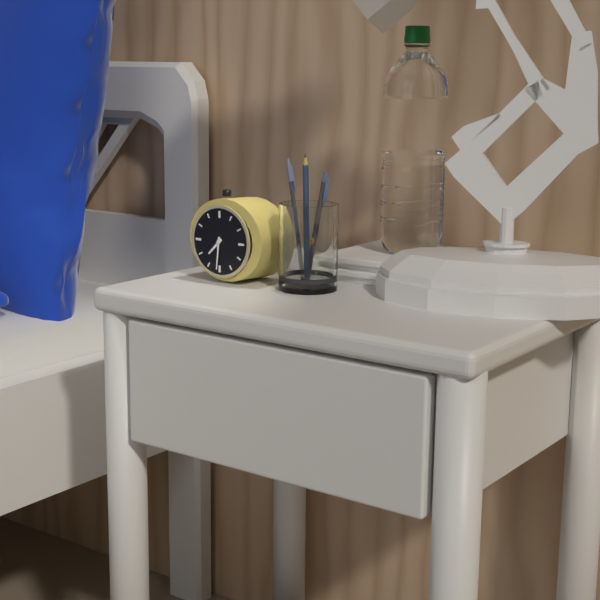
7 h 31 min
